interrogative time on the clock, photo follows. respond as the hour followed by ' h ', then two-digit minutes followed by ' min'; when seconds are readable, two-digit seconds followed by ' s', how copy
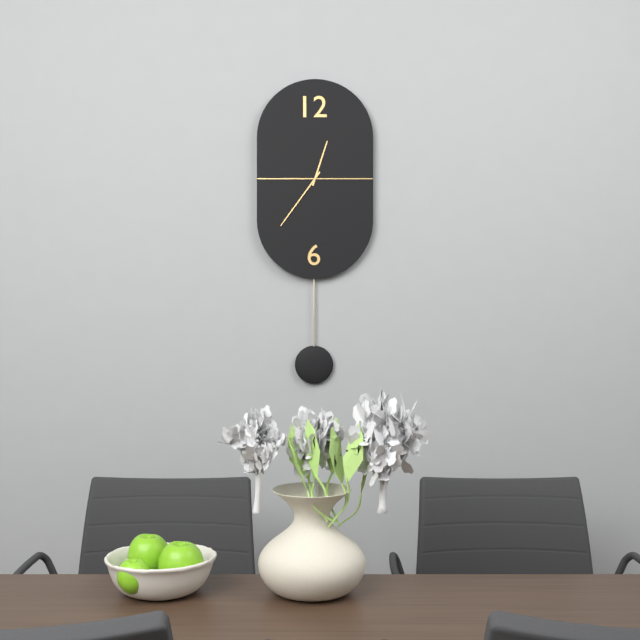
12 h 36 min
